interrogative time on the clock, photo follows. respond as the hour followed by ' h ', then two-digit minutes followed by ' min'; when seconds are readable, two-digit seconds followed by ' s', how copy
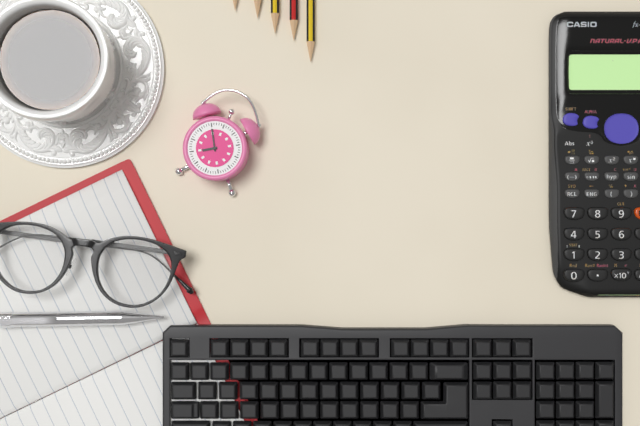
7 h 55 min
